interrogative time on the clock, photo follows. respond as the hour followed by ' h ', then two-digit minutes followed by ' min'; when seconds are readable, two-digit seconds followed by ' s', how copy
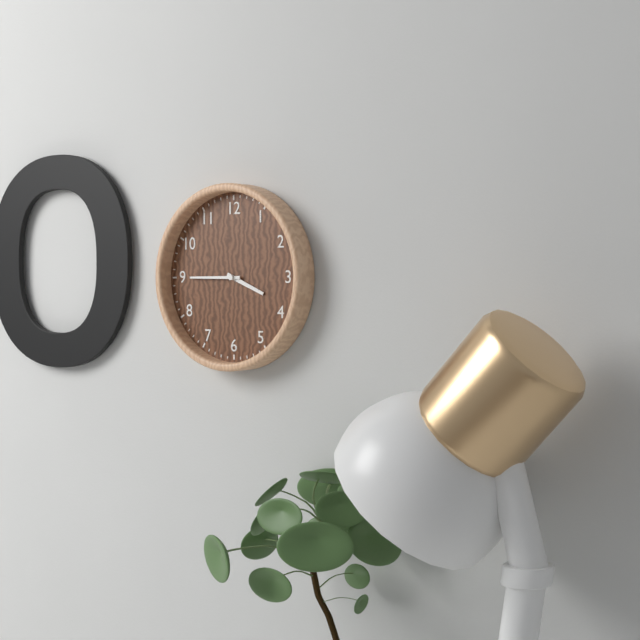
3 h 45 min
